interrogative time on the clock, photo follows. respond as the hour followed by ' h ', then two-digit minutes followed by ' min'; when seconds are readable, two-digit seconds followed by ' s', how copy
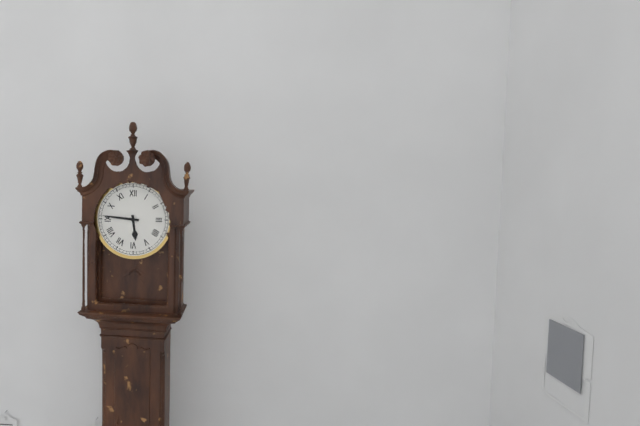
5 h 46 min
